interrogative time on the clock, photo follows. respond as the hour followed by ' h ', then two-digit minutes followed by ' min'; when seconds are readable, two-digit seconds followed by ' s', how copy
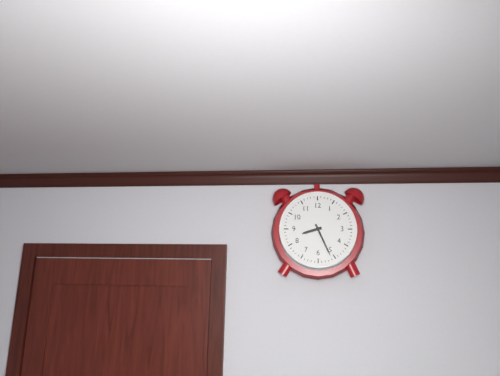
8 h 26 min
